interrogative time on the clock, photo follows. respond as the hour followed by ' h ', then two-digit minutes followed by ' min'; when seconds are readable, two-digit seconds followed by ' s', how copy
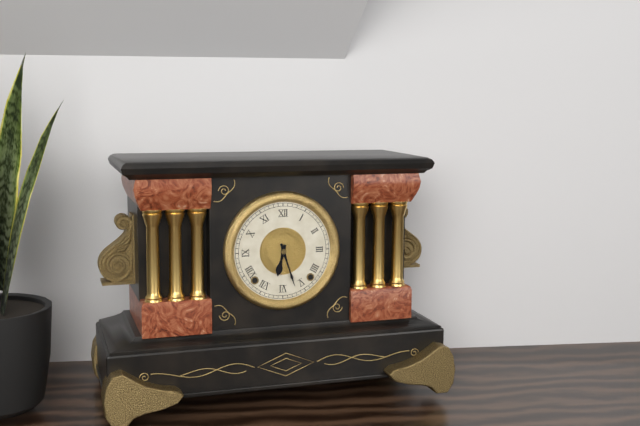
6 h 27 min
